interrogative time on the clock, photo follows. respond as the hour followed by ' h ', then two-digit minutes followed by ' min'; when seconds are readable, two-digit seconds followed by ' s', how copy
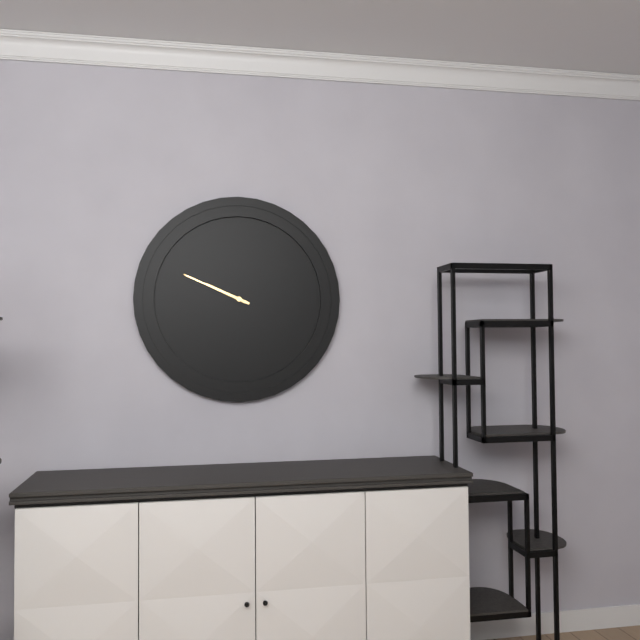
9 h 49 min
